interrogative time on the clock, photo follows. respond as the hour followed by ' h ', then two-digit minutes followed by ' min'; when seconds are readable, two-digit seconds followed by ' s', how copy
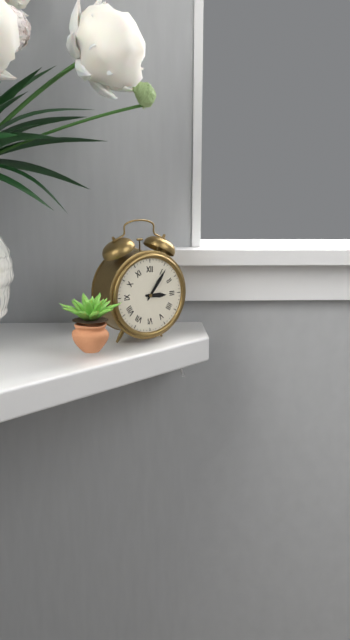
3 h 06 min
